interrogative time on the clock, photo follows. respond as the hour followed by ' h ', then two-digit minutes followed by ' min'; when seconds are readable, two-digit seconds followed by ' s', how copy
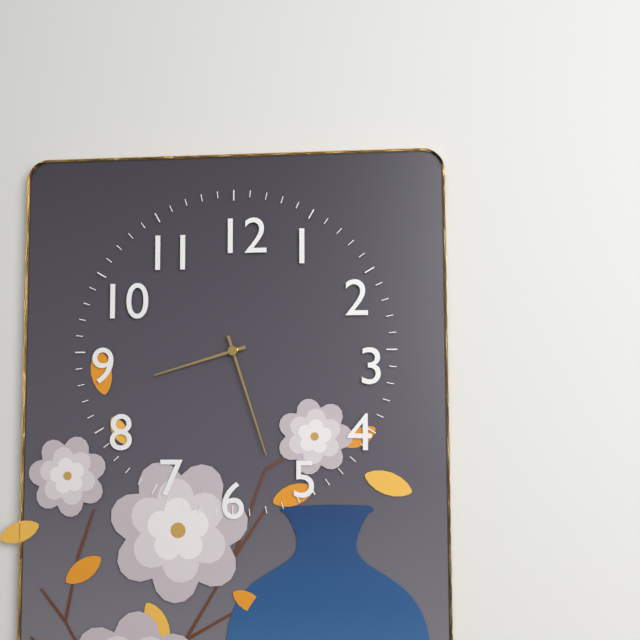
8 h 27 min
